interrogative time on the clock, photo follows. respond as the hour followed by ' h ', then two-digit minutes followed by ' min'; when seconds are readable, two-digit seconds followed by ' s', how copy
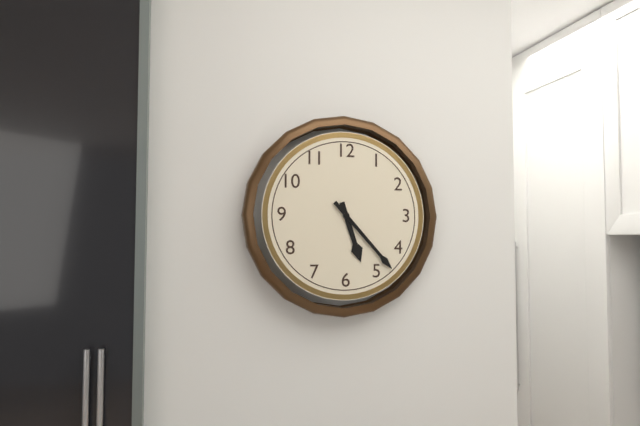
5 h 23 min
